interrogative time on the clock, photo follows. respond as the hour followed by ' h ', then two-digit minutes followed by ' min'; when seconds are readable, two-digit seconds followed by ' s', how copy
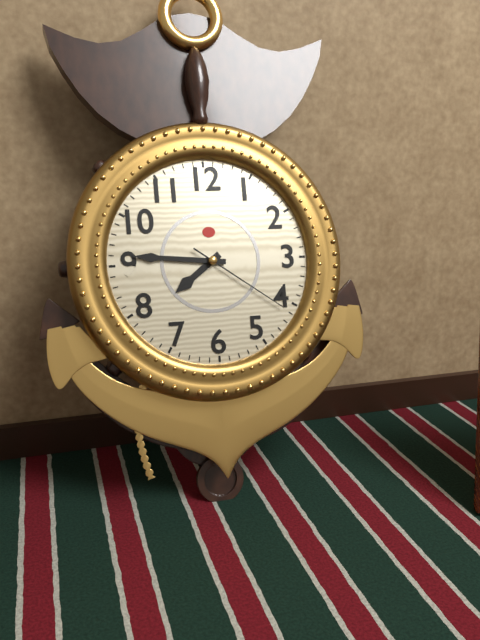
7 h 46 min 21 s
